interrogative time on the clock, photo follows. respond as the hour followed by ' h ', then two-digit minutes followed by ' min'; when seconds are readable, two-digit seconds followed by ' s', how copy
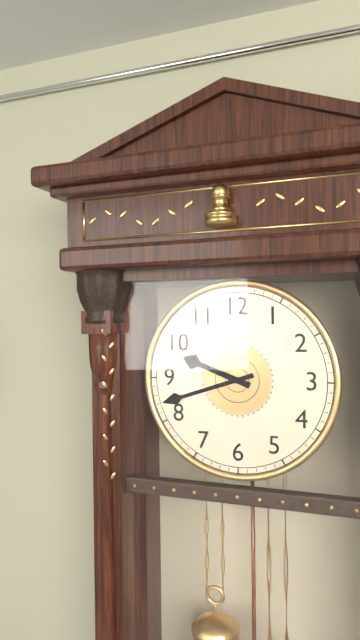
9 h 42 min
